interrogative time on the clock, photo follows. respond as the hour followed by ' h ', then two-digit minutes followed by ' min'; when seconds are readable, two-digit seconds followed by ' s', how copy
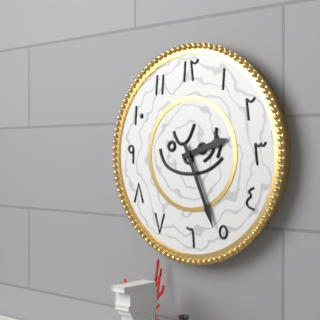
2 h 26 min
